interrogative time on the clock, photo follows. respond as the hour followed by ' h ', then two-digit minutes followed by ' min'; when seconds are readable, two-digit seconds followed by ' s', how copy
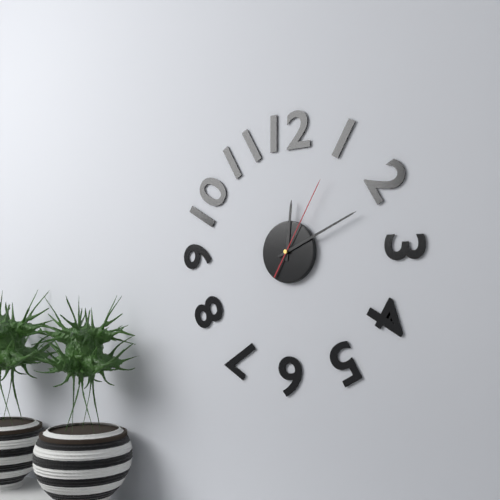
12 h 11 min 05 s
